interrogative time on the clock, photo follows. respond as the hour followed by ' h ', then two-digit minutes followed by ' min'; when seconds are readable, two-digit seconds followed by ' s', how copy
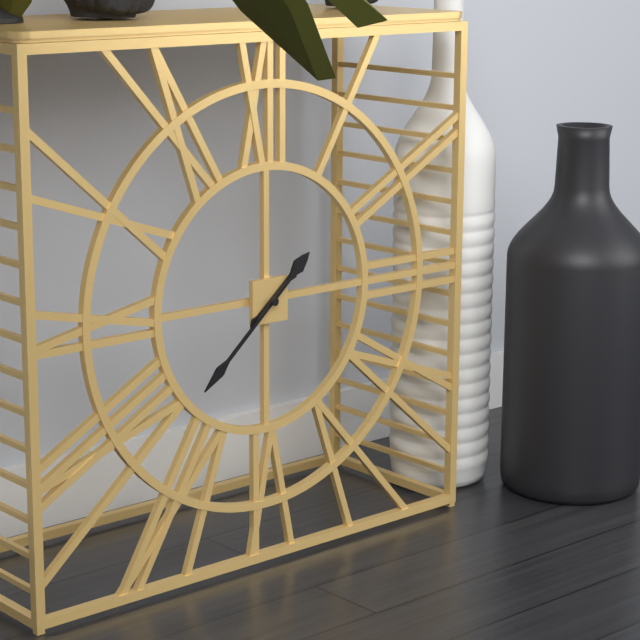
1 h 38 min
